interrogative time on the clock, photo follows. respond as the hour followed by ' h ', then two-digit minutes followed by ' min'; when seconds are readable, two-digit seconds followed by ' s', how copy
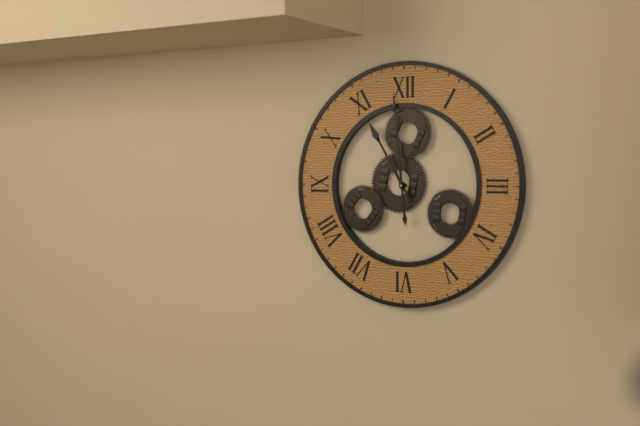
10 h 59 min
